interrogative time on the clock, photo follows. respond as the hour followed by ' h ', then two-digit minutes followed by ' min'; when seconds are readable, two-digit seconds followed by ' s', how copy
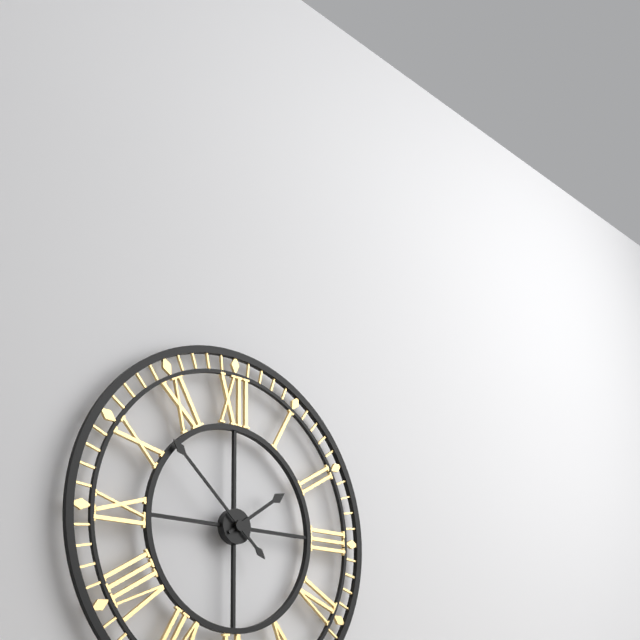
1 h 52 min
